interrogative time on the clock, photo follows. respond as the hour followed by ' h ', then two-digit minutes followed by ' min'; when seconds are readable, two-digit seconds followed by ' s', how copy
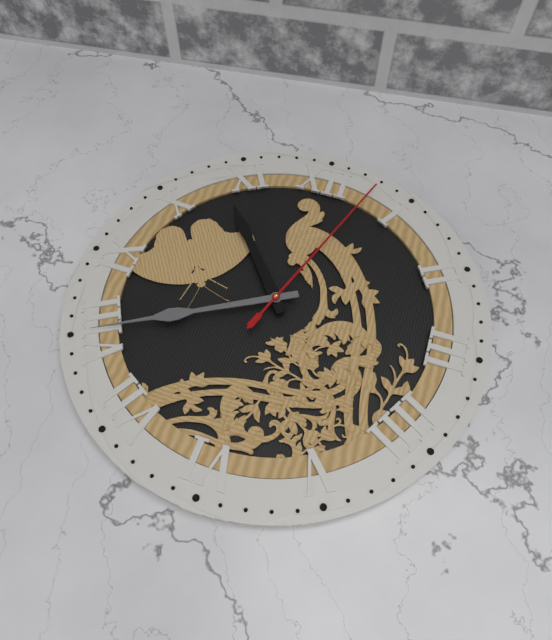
10 h 40 min 03 s
